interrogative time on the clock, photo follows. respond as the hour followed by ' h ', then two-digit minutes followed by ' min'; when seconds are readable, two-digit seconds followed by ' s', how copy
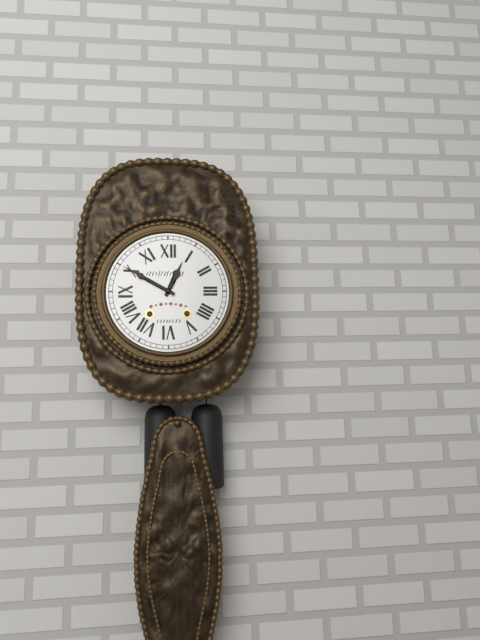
12 h 50 min
